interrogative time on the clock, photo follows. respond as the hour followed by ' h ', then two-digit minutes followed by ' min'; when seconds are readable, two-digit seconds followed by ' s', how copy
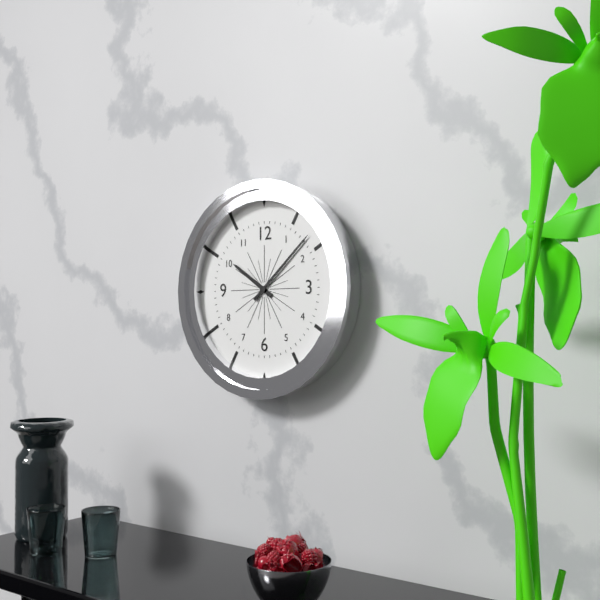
10 h 08 min
